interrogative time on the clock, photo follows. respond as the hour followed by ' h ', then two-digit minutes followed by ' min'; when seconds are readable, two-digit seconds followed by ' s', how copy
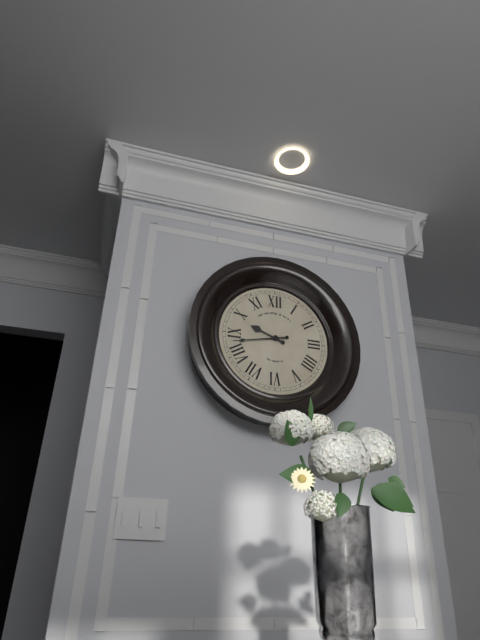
9 h 43 min
